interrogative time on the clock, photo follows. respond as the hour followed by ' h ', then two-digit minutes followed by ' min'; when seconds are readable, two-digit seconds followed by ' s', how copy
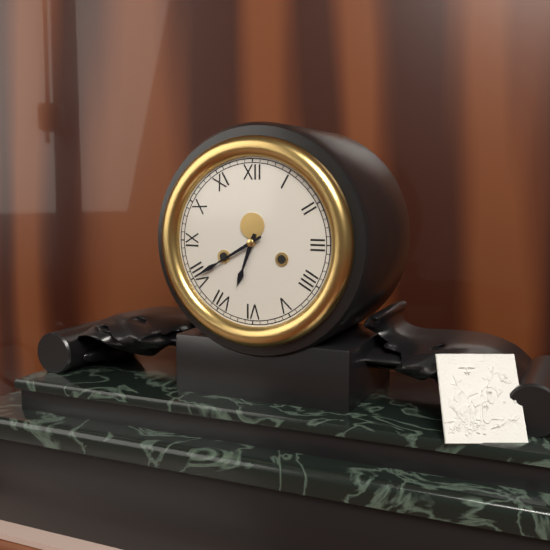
6 h 40 min
